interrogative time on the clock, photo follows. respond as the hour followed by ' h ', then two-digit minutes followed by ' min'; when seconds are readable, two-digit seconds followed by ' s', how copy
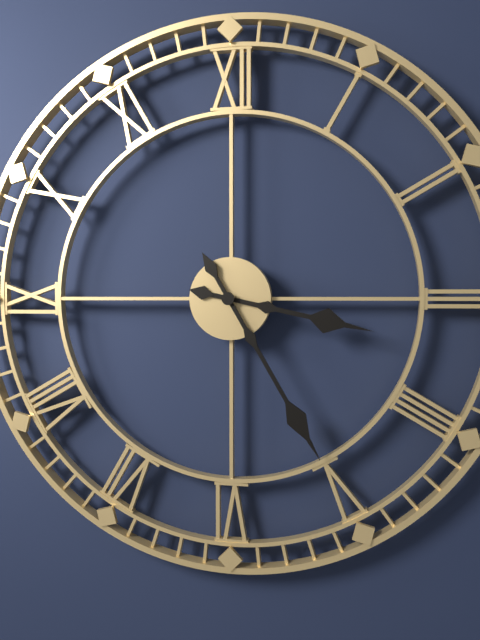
3 h 25 min
